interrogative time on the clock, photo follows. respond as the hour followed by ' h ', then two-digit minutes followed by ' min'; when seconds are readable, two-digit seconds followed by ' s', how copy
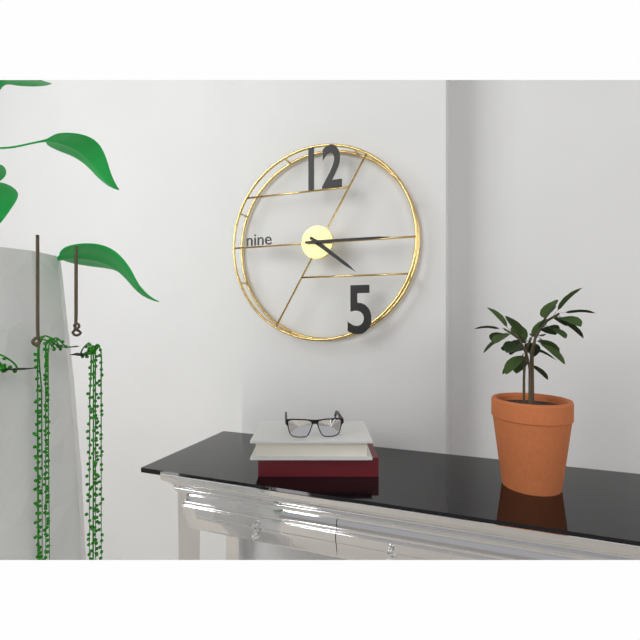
4 h 15 min
